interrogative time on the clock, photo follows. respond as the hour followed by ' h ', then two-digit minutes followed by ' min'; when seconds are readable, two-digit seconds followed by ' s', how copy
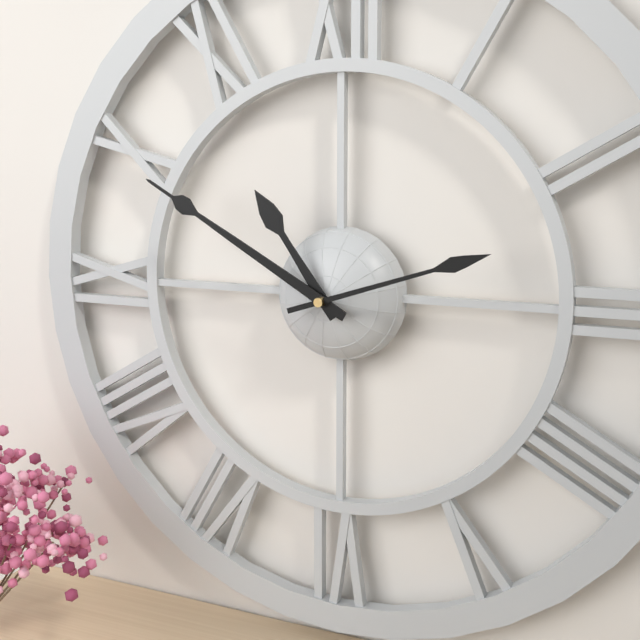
10 h 50 min 12 s
